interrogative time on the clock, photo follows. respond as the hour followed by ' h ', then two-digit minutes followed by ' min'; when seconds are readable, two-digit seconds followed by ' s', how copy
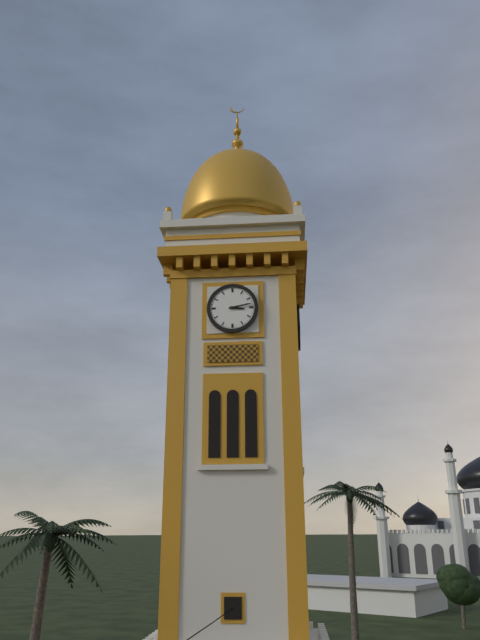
3 h 13 min
